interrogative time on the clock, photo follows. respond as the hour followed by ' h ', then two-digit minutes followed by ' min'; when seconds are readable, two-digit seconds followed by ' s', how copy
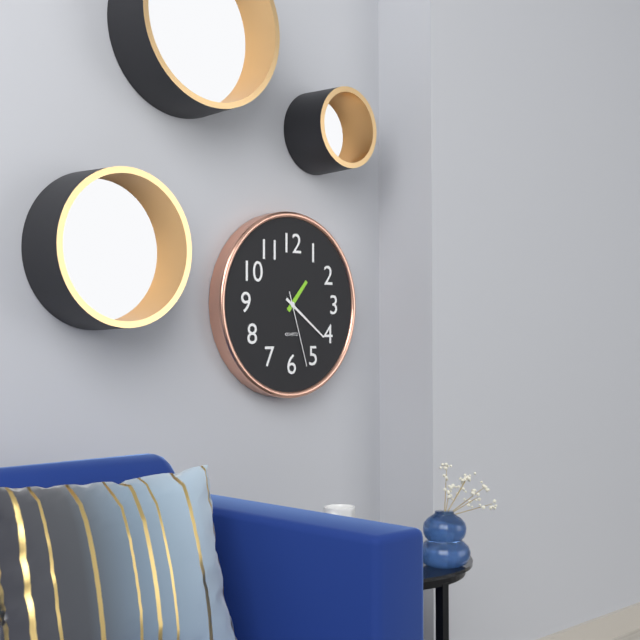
1 h 21 min 27 s
